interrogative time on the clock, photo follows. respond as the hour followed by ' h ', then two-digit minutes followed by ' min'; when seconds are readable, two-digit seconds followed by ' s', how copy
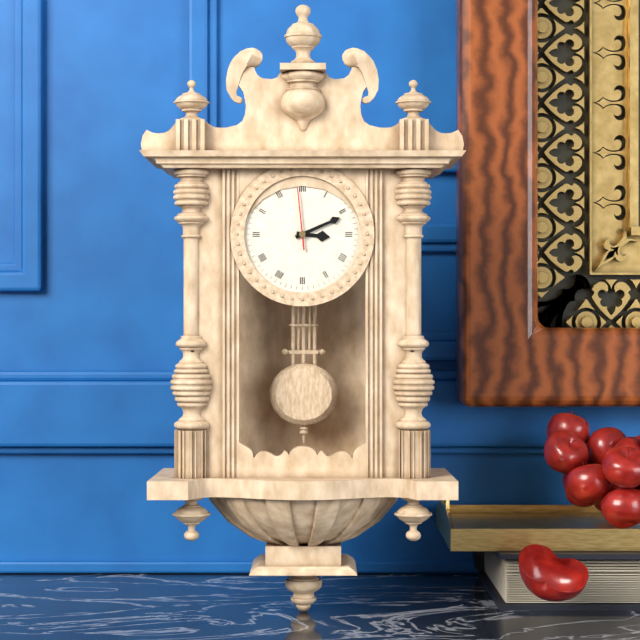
3 h 11 min 59 s
